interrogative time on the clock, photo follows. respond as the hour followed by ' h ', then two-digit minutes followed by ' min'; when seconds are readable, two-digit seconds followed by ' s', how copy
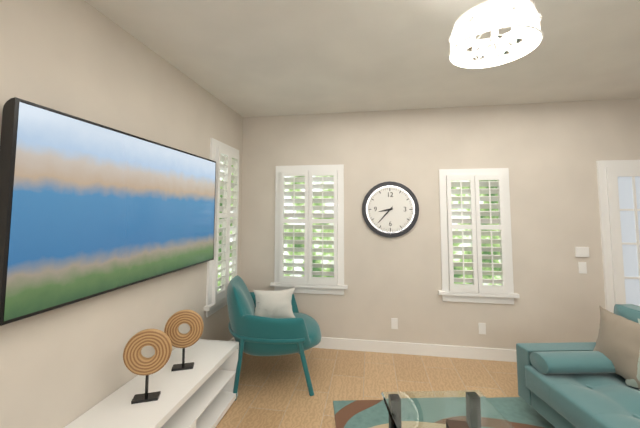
8 h 37 min
